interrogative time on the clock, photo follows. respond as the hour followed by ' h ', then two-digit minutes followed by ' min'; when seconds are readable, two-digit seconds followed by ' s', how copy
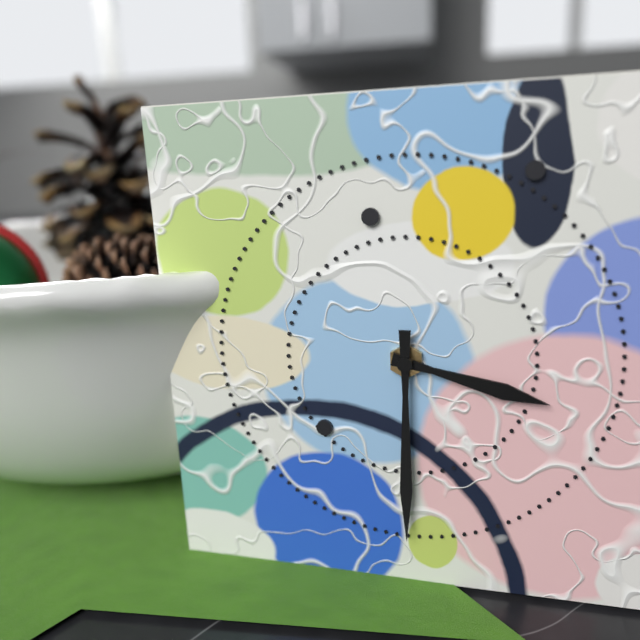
3 h 30 min
